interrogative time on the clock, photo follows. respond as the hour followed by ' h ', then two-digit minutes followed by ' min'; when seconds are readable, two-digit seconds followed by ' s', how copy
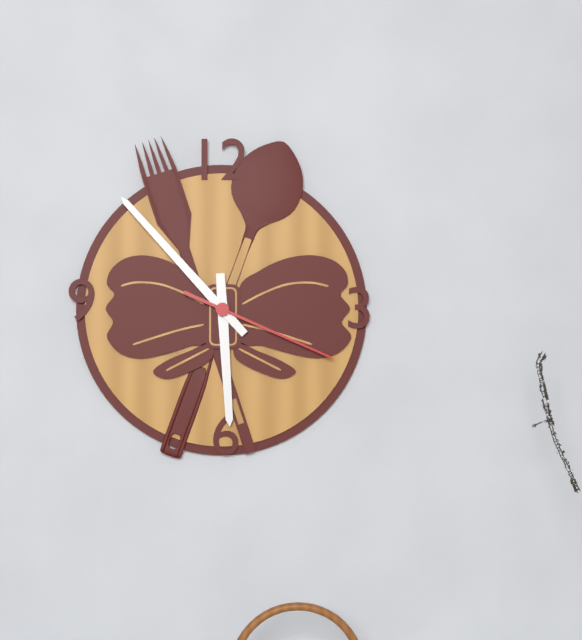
5 h 53 min 19 s
